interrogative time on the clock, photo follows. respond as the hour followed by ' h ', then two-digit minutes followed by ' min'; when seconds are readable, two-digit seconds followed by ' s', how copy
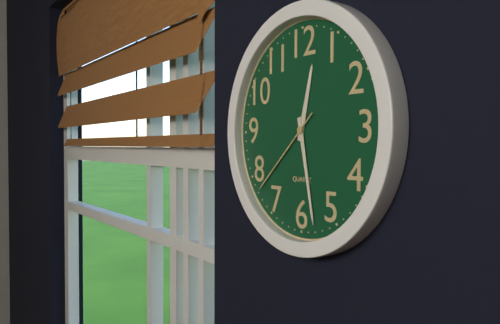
12 h 28 min 38 s
